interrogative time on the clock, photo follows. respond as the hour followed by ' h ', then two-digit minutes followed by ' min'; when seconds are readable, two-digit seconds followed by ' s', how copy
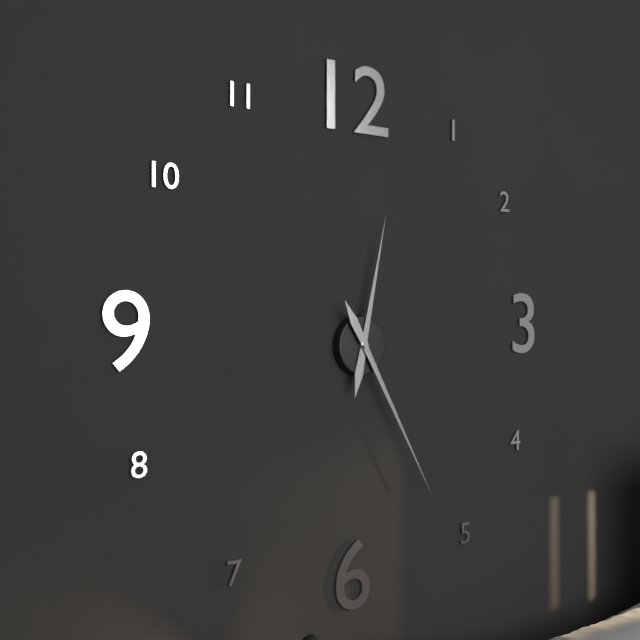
12 h 25 min
